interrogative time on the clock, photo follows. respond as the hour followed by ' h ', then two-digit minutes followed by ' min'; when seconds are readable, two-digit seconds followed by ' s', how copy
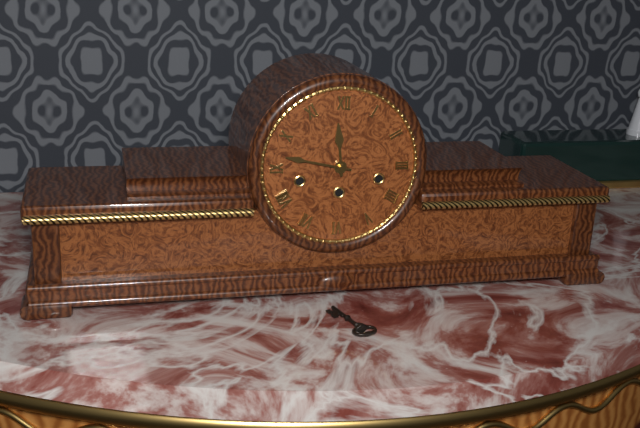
11 h 47 min
